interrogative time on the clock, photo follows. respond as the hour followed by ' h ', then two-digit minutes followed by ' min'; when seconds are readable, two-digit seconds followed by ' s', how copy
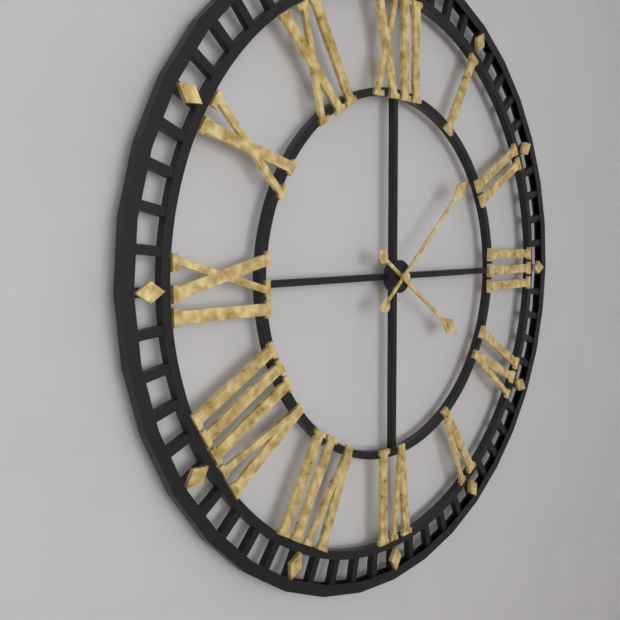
4 h 08 min
